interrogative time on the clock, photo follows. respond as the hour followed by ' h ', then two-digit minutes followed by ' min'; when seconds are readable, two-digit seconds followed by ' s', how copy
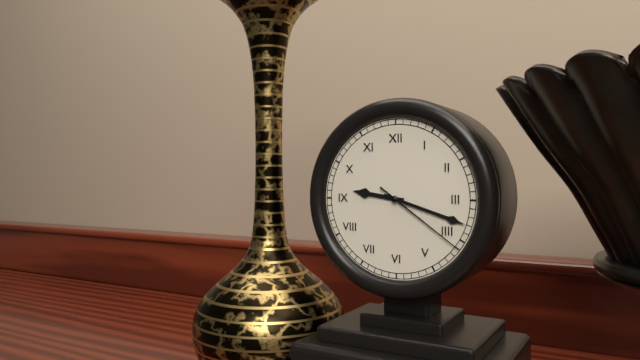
9 h 18 min 21 s
